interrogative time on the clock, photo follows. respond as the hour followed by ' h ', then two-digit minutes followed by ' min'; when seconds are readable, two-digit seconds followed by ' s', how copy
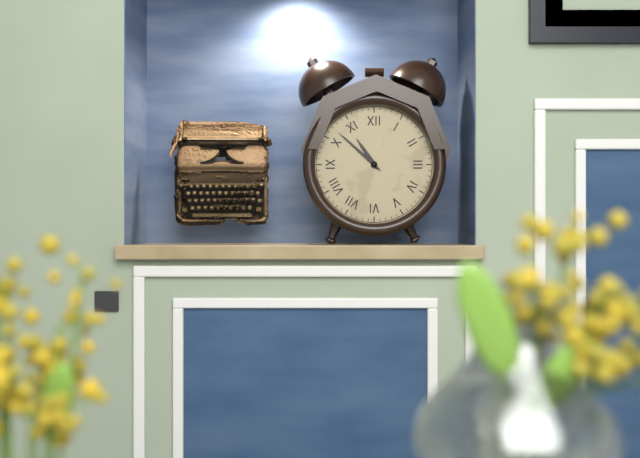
10 h 52 min
